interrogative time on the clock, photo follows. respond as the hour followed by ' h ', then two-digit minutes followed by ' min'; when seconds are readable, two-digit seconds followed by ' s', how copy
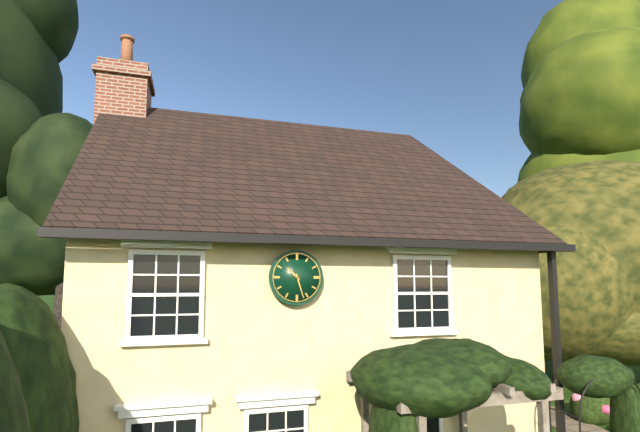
10 h 27 min
